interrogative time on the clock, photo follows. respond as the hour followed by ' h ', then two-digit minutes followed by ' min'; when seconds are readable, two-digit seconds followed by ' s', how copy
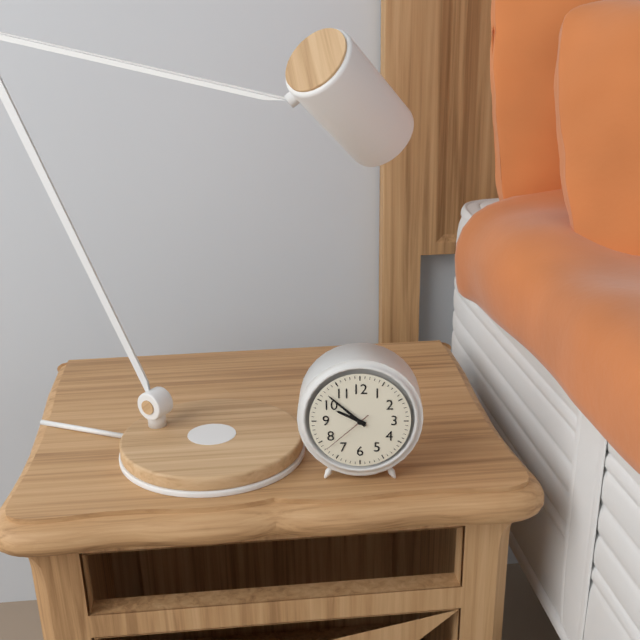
9 h 52 min 38 s
